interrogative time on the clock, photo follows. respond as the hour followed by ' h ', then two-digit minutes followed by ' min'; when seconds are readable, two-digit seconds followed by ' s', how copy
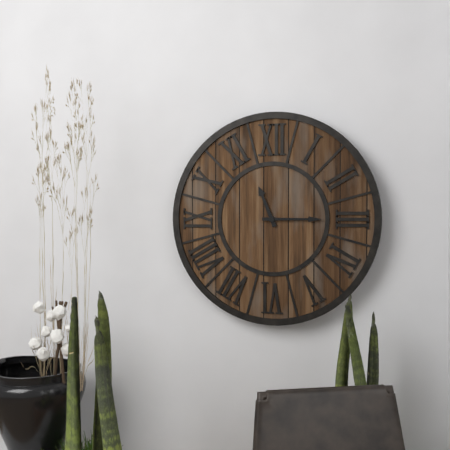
11 h 15 min
